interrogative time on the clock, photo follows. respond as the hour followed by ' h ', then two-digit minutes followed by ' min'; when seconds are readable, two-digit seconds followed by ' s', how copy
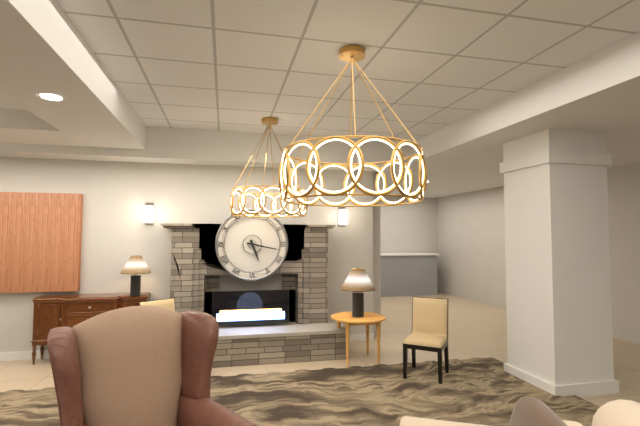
5 h 17 min
